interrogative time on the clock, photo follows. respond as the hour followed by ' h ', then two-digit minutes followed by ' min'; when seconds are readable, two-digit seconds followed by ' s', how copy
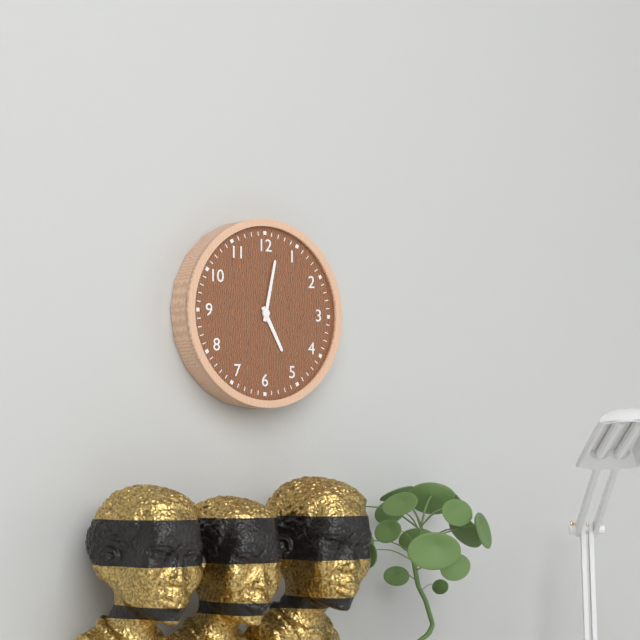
5 h 02 min
